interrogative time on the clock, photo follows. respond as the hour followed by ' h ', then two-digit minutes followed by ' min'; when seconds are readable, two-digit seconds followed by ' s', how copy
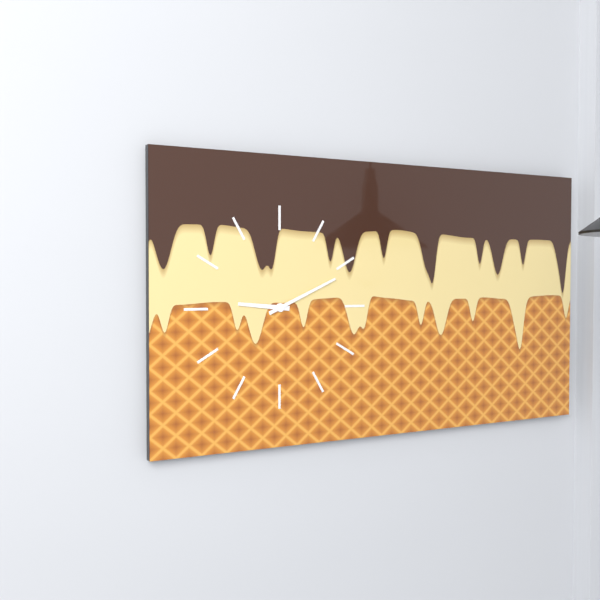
9 h 11 min
